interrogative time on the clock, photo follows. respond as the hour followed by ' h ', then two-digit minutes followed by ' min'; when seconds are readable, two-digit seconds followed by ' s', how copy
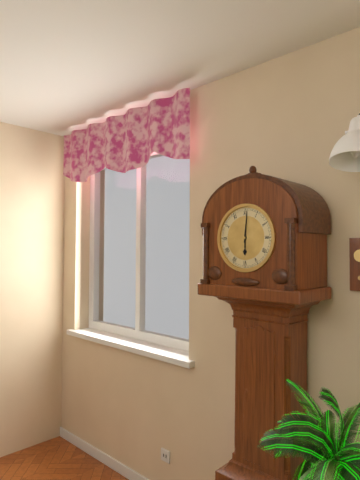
6 h 01 min
